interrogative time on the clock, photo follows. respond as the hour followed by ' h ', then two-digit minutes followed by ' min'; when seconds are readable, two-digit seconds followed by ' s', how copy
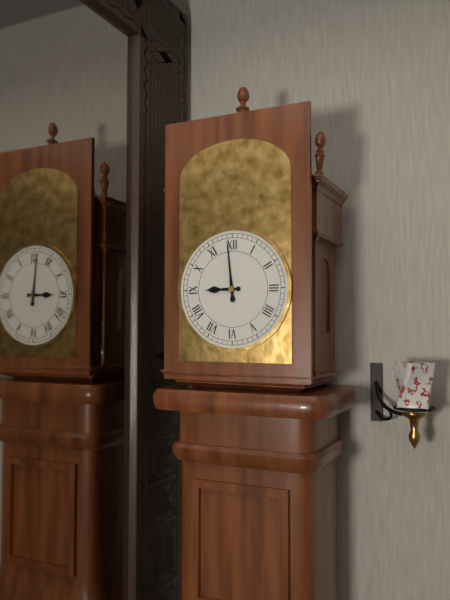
8 h 59 min
